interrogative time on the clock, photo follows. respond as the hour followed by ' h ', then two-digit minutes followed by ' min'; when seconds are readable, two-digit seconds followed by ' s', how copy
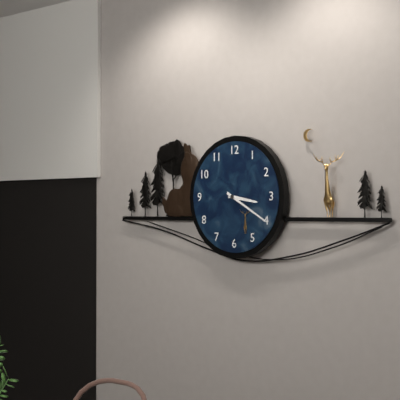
3 h 20 min
